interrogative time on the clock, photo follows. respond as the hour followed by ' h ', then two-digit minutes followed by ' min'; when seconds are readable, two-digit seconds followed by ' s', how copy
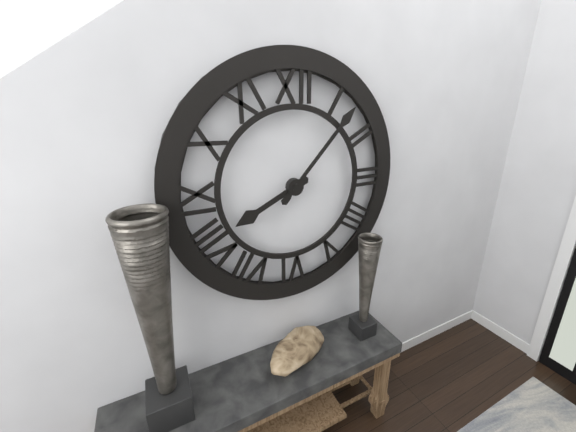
8 h 07 min
